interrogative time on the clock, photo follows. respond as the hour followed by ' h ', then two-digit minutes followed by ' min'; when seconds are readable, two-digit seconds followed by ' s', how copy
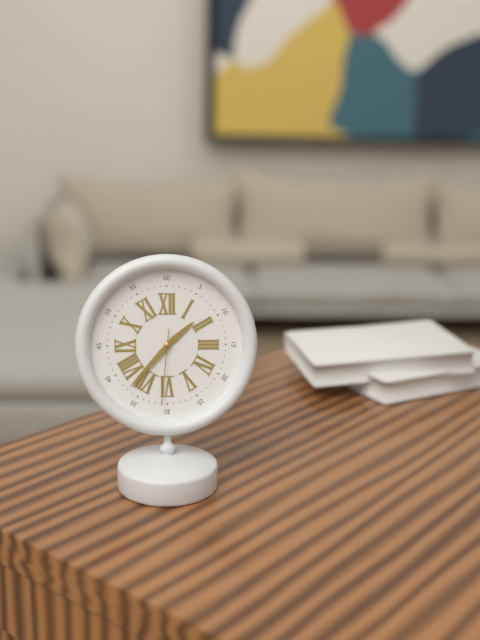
1 h 37 min 31 s
